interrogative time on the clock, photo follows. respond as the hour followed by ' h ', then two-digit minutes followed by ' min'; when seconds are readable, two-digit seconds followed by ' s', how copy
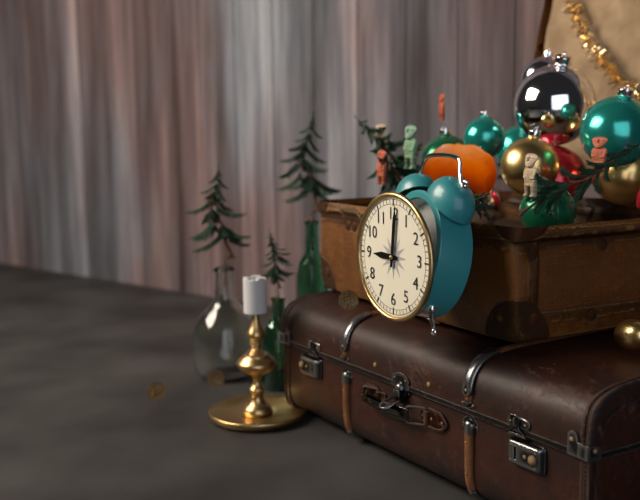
9 h 01 min
